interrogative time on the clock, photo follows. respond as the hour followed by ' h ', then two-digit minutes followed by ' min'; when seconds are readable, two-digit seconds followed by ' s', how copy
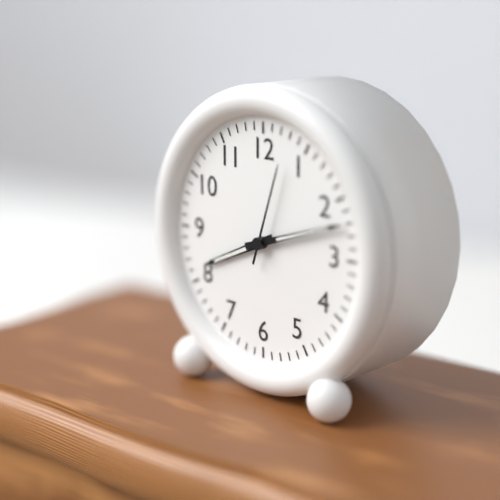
8 h 12 min 03 s
